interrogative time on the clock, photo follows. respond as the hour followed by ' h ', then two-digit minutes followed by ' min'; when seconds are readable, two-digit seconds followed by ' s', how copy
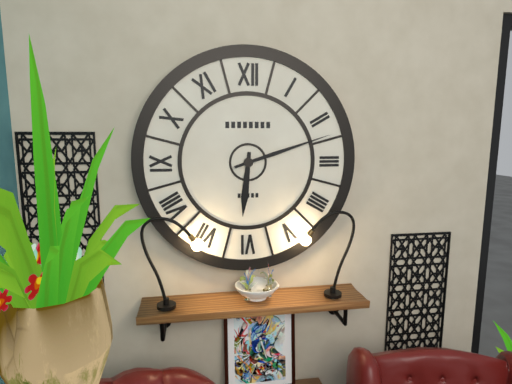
6 h 12 min
